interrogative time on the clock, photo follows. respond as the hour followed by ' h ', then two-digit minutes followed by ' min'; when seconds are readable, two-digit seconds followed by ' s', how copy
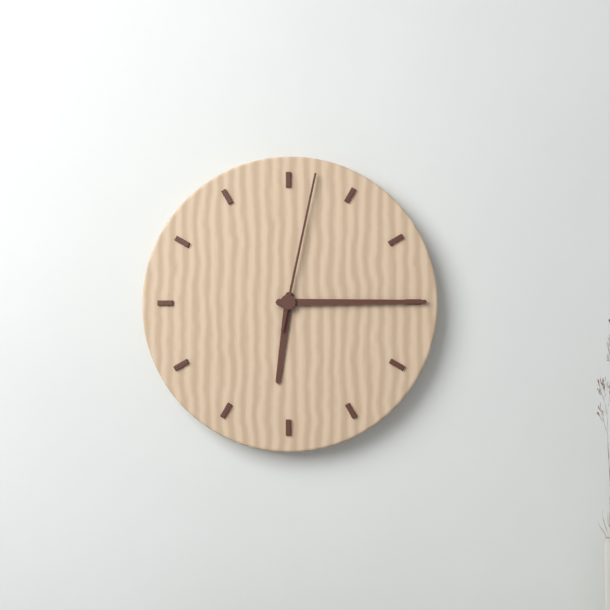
6 h 15 min 02 s
